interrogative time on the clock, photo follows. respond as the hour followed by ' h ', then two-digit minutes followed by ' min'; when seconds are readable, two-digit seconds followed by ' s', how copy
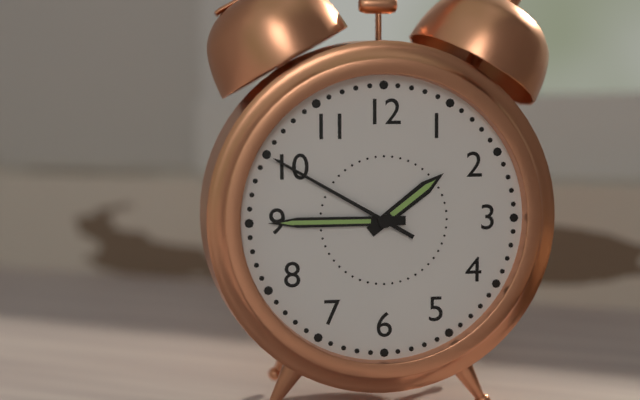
1 h 45 min 50 s
